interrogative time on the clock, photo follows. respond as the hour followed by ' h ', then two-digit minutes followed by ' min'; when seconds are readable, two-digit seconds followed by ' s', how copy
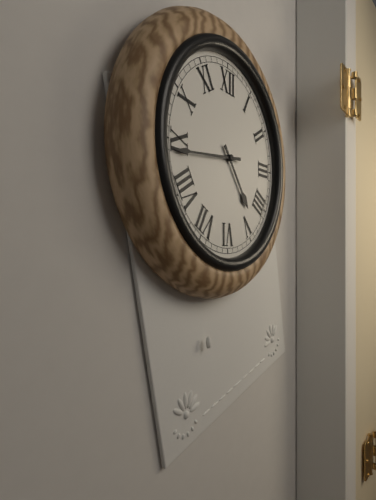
4 h 44 min
